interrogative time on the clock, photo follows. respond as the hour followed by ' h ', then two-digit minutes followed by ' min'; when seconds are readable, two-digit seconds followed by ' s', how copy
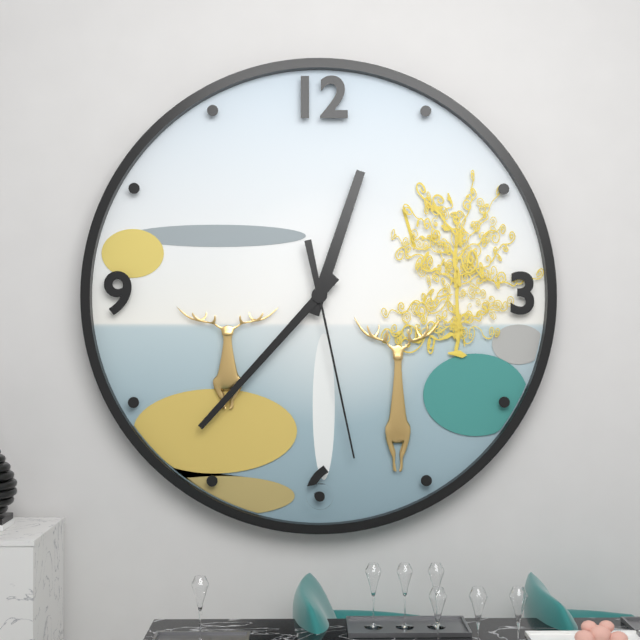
12 h 37 min 28 s
